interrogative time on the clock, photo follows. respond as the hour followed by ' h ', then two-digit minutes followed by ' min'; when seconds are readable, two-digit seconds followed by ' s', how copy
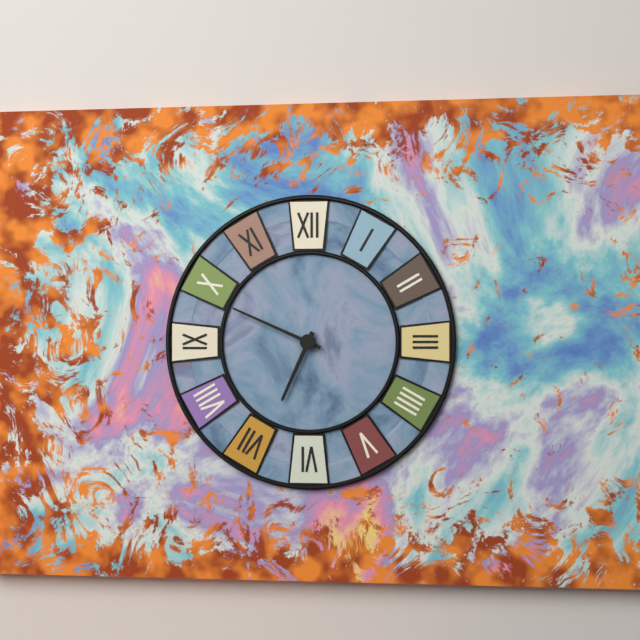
6 h 49 min
